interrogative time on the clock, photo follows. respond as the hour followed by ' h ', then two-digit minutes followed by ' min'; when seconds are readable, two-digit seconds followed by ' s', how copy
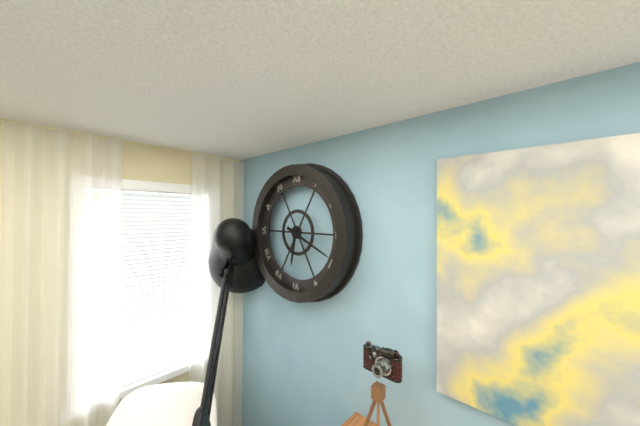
6 h 19 min
